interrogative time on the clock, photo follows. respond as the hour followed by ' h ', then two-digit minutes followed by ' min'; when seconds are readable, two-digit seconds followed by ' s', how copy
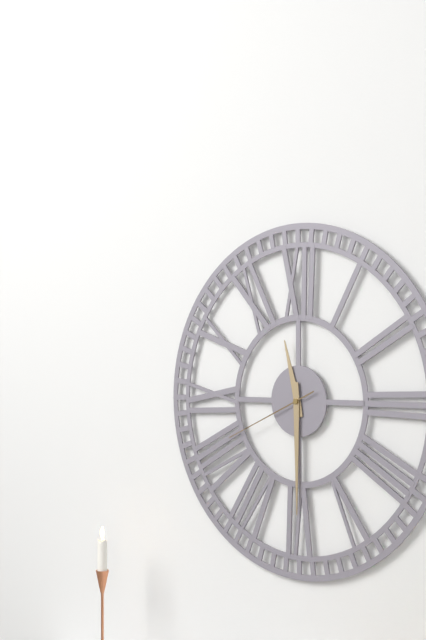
11 h 30 min 41 s
